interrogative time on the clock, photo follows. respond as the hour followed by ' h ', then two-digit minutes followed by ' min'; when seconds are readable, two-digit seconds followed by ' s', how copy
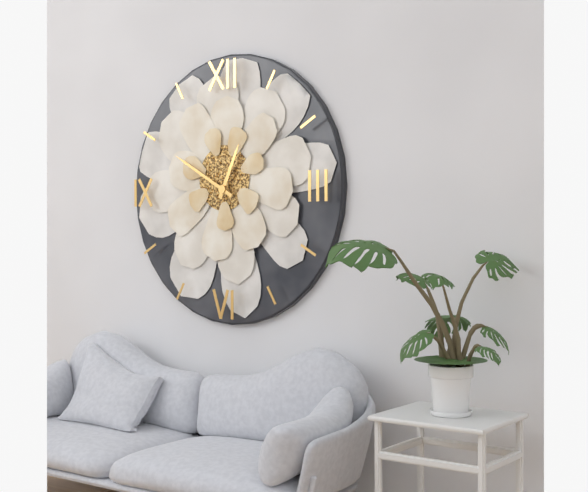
12 h 50 min
